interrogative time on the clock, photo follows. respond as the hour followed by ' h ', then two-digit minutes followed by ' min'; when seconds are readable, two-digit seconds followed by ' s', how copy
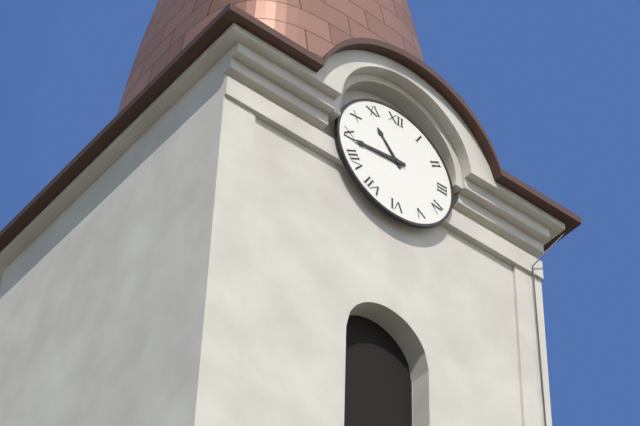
10 h 44 min
